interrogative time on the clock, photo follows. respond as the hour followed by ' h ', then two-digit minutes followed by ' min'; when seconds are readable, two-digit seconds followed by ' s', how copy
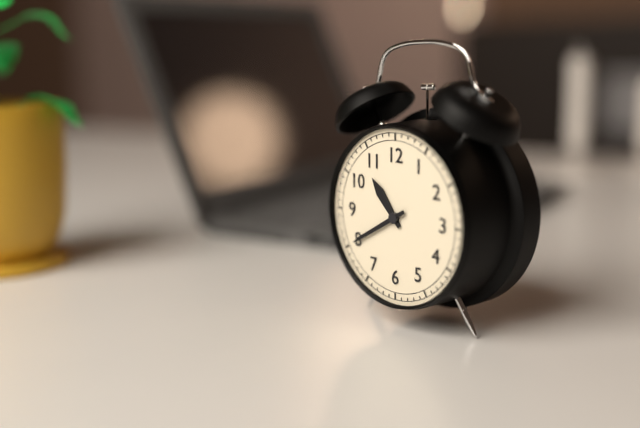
10 h 40 min
